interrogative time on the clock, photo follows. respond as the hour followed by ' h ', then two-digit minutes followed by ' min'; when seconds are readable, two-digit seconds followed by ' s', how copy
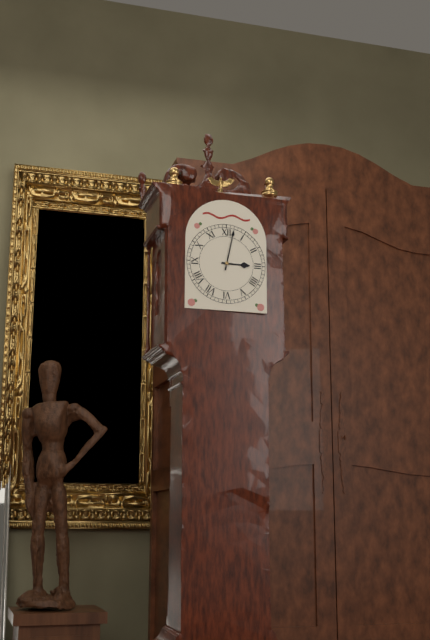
3 h 02 min
